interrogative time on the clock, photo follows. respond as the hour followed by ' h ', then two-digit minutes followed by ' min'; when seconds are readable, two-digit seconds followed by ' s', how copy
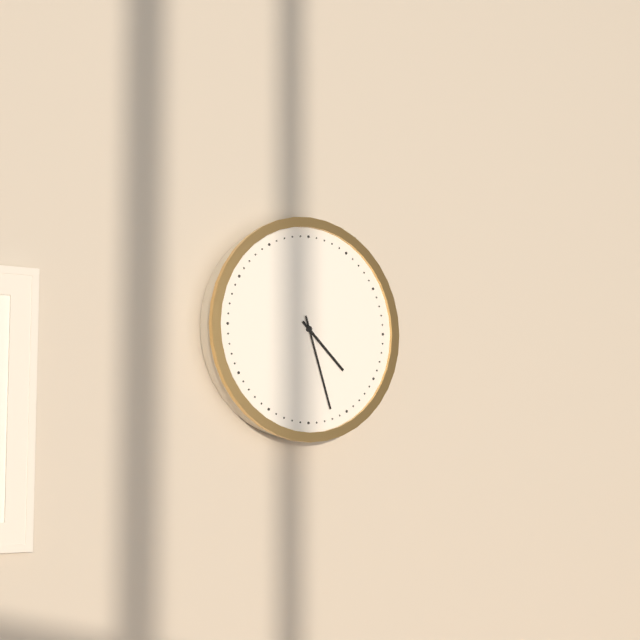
4 h 27 min
